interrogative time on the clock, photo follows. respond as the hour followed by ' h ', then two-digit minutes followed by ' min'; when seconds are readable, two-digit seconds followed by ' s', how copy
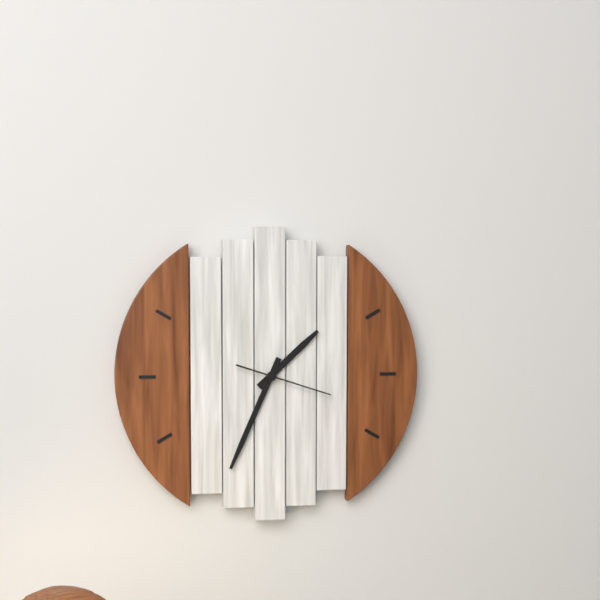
1 h 34 min 18 s
